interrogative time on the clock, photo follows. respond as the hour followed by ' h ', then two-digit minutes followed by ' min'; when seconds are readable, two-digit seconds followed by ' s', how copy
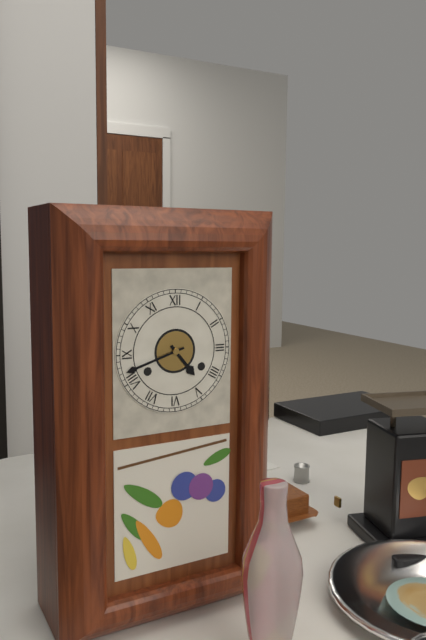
4 h 42 min
